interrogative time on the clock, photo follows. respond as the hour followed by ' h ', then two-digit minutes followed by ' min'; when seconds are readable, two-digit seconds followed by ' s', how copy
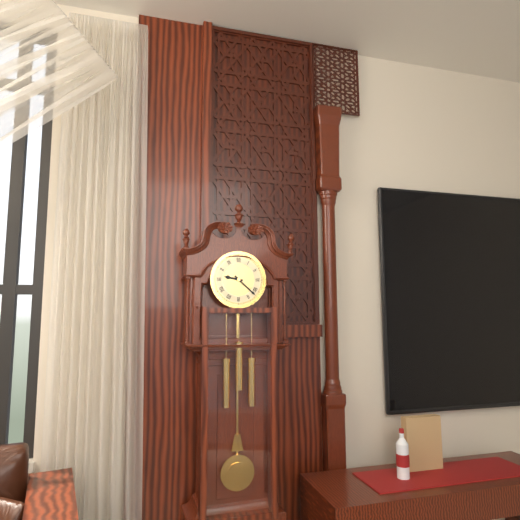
9 h 22 min
